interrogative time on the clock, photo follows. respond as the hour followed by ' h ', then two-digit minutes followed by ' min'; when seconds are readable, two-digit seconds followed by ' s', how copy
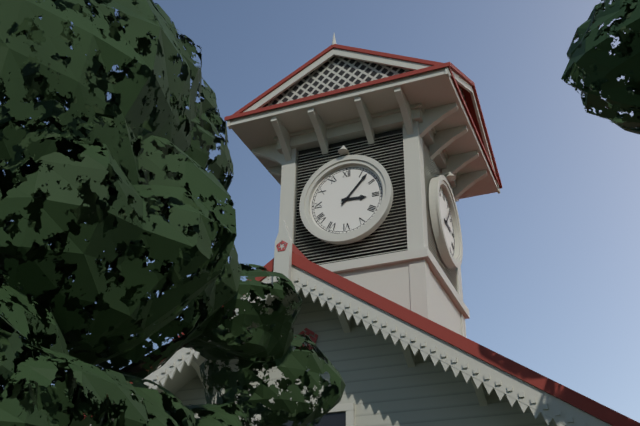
3 h 07 min
